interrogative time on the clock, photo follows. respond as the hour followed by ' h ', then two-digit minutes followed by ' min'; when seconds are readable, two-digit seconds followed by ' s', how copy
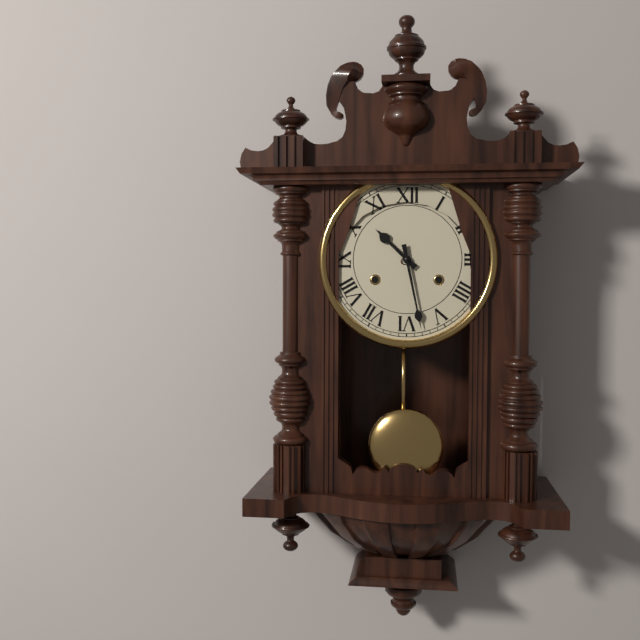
10 h 28 min
